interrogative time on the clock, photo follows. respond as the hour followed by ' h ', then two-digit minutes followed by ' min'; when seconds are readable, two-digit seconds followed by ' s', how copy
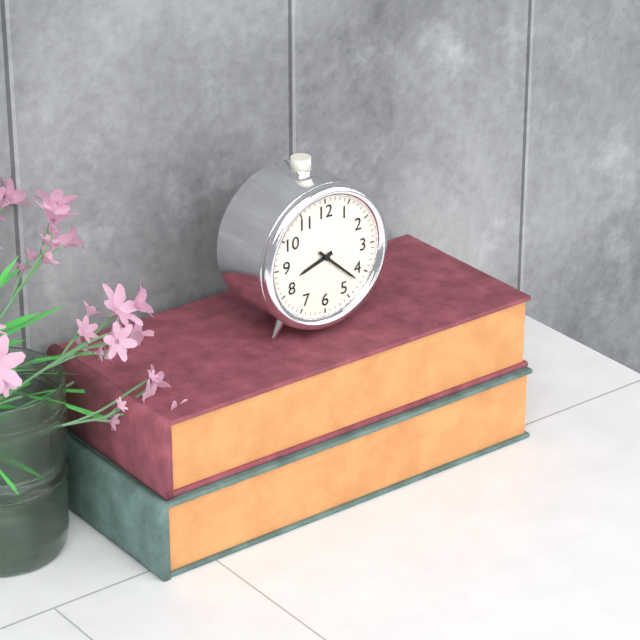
8 h 22 min
